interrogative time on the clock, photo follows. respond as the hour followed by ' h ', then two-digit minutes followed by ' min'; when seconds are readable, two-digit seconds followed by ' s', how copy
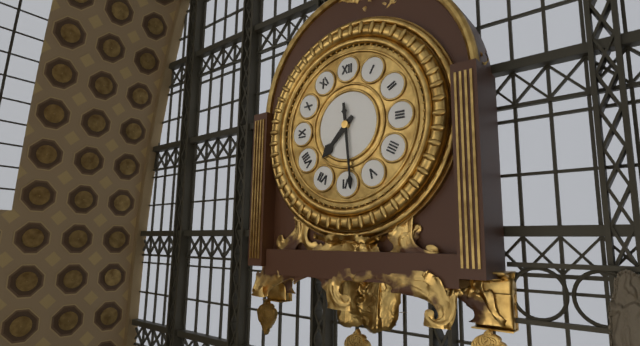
7 h 29 min
